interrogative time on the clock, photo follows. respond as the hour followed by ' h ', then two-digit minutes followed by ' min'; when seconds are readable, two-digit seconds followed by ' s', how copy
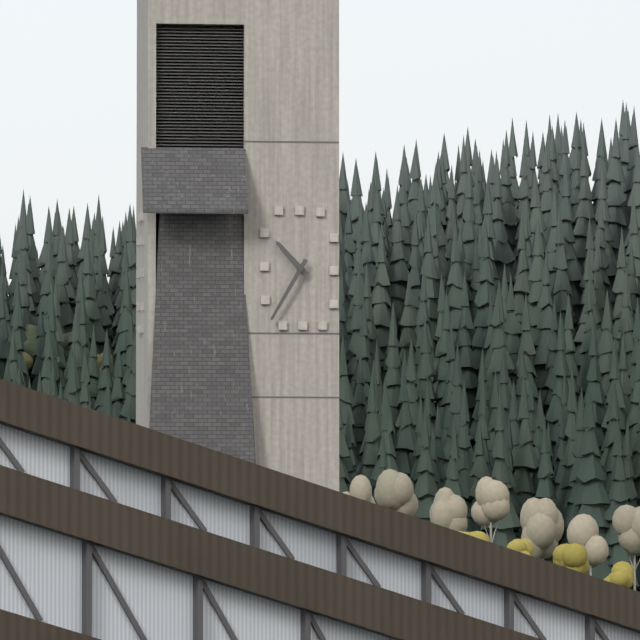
10 h 35 min
